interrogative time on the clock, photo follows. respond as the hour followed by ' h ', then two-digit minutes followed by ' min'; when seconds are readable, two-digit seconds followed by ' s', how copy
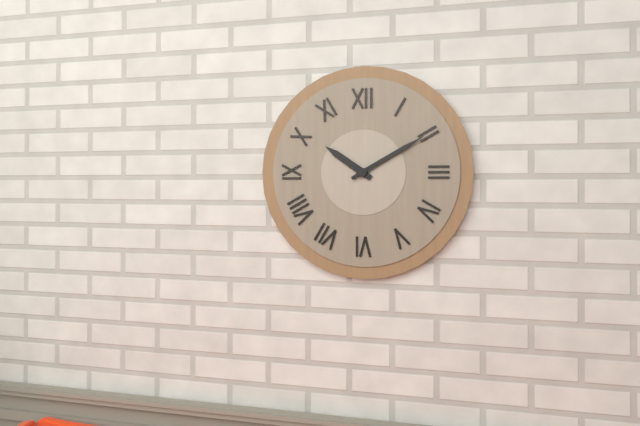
10 h 10 min
